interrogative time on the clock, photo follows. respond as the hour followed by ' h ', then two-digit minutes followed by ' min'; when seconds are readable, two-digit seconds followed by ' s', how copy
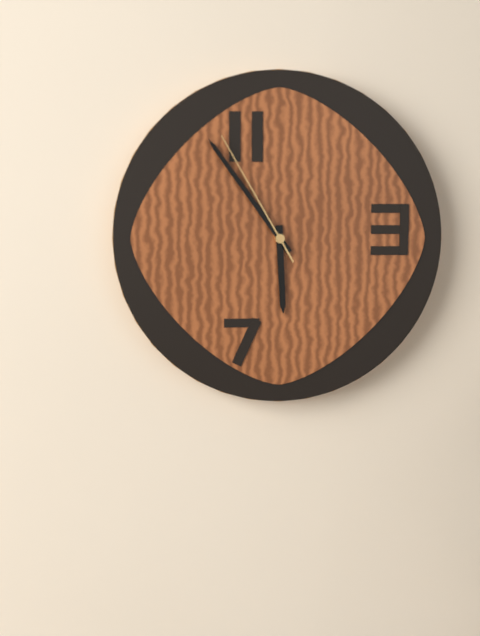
5 h 54 min 55 s
